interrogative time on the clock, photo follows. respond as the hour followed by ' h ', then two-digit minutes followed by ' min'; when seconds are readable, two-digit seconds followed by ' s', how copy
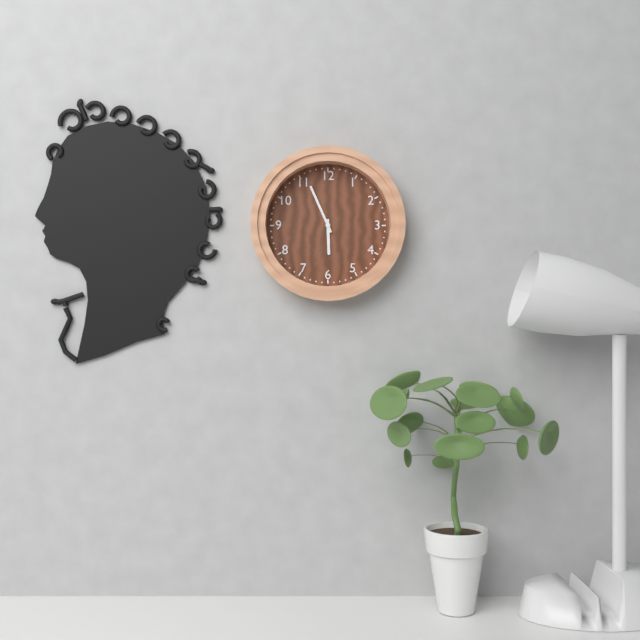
5 h 56 min
